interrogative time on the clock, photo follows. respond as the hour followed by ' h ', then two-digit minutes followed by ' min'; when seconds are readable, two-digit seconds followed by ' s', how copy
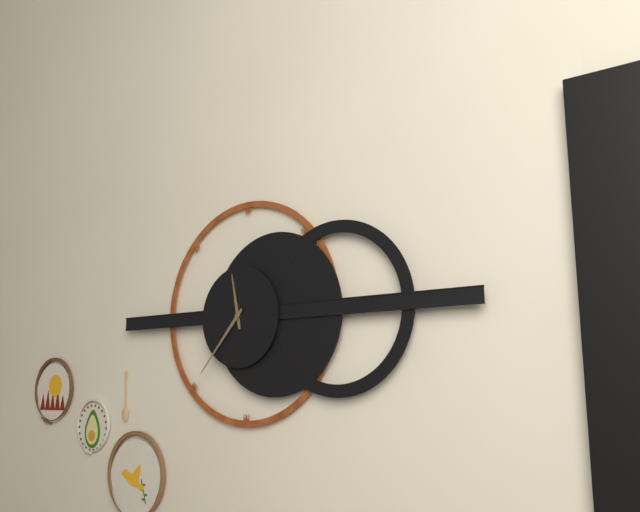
11 h 37 min
